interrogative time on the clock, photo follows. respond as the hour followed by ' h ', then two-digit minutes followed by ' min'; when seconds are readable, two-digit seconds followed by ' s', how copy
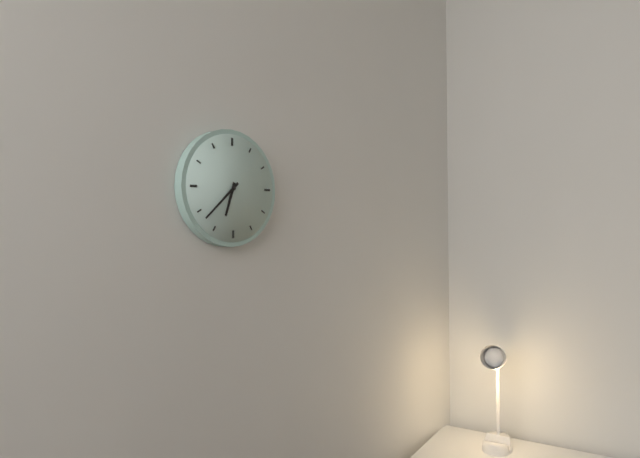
6 h 38 min
